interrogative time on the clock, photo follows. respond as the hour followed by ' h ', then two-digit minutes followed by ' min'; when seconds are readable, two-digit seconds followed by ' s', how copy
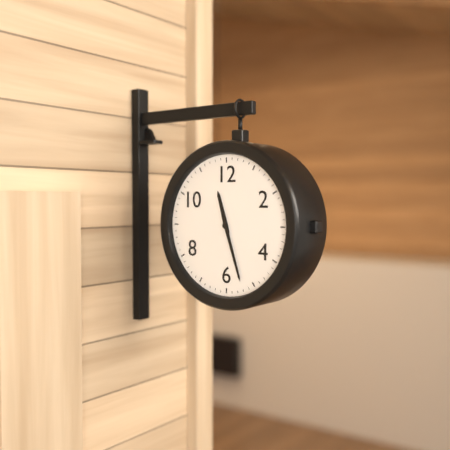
11 h 27 min
